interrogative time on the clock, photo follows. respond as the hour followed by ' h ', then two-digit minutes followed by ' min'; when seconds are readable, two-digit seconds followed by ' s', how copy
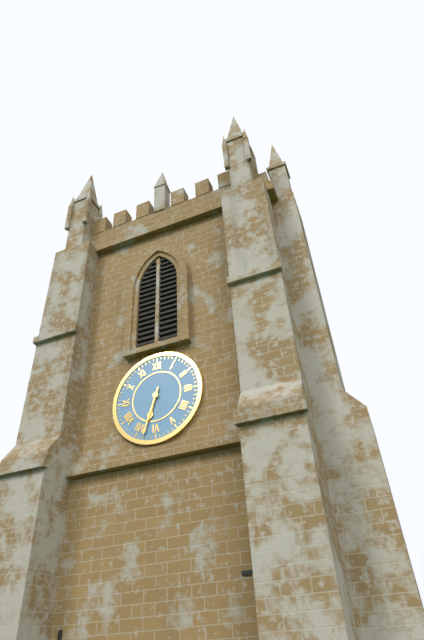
6 h 33 min
